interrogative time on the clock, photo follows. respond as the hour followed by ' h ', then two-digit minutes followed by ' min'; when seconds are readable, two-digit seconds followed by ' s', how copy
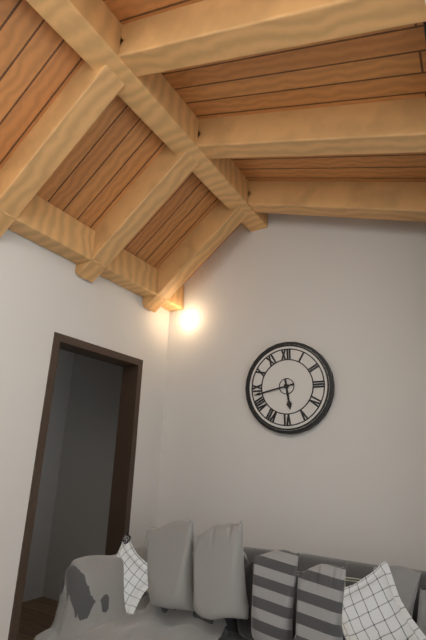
5 h 43 min
